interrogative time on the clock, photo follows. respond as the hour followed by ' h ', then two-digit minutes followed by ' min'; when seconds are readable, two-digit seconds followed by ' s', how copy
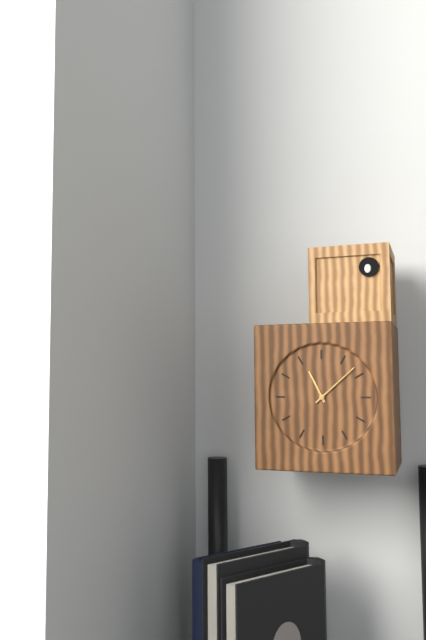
11 h 08 min
